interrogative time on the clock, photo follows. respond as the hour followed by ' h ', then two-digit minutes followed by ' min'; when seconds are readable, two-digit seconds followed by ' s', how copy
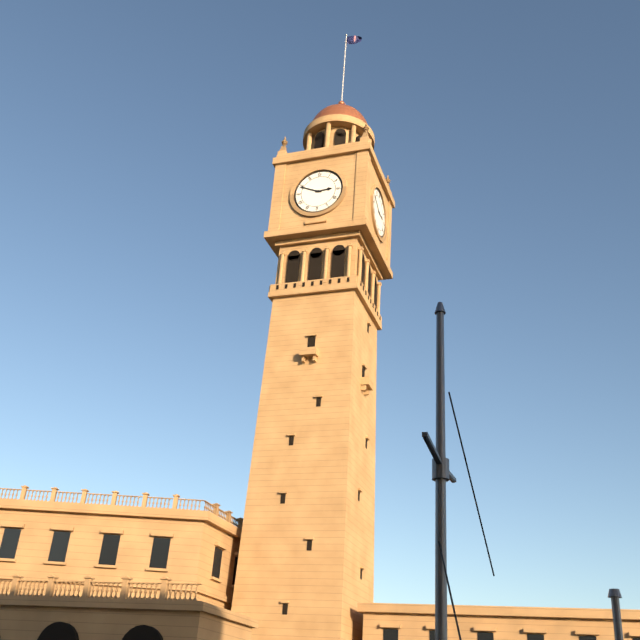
2 h 49 min
